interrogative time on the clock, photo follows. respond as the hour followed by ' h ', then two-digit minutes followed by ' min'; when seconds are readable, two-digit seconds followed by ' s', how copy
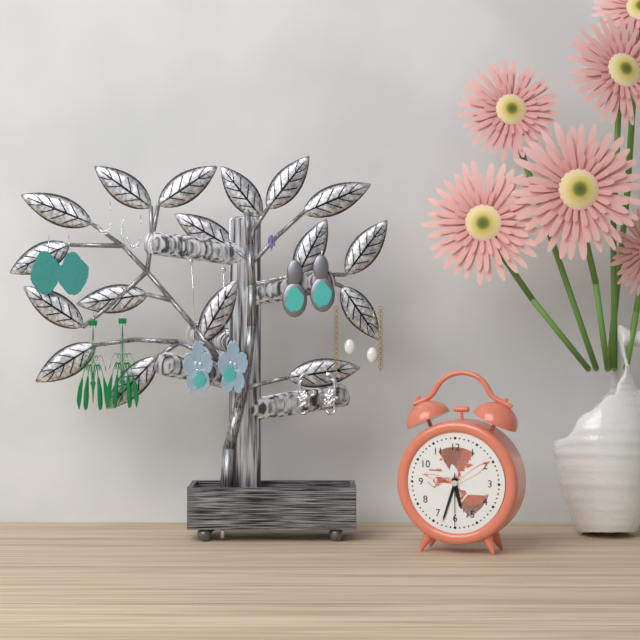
5 h 33 min 30 s
